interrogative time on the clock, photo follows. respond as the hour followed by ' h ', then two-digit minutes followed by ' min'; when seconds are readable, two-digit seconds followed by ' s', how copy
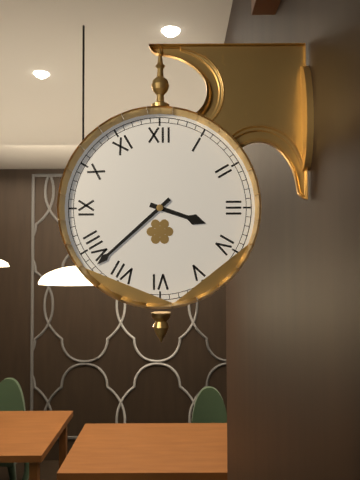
3 h 38 min
